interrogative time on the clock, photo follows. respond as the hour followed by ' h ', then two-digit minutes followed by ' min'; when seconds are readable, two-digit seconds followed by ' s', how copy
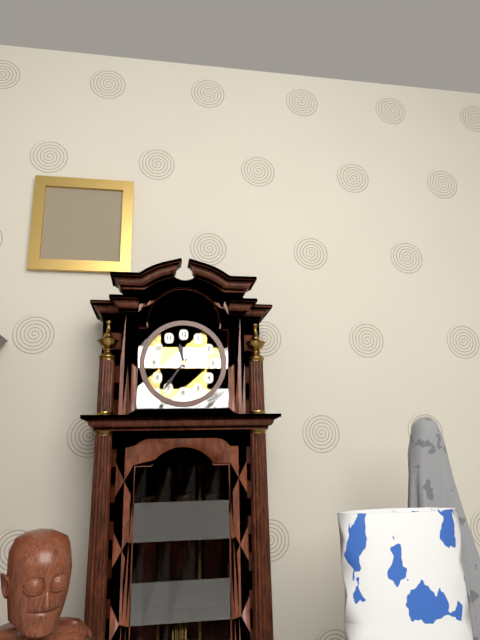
11 h 36 min
